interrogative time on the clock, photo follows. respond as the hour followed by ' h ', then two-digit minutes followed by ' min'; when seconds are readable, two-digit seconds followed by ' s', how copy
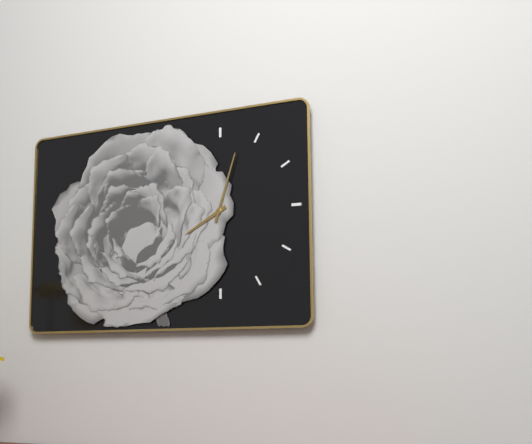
8 h 03 min
